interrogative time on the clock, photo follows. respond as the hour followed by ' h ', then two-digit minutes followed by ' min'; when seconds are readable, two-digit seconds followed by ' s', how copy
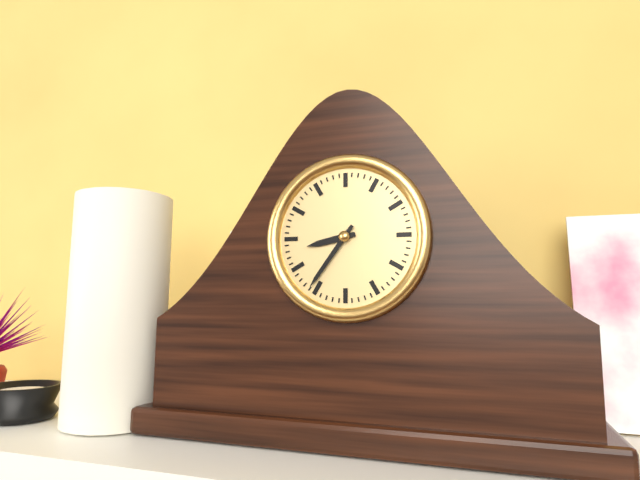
8 h 36 min
